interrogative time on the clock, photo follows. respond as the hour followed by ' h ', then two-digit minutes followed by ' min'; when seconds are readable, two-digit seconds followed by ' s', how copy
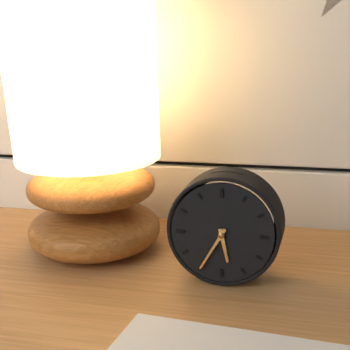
5 h 35 min
